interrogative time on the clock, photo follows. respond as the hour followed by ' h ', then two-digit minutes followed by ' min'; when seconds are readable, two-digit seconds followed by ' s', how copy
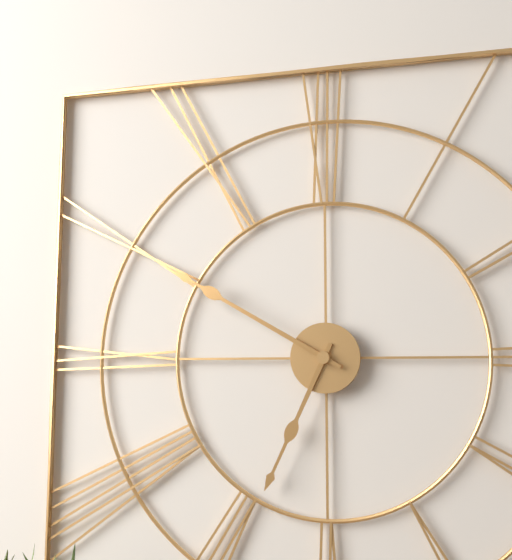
6 h 50 min
